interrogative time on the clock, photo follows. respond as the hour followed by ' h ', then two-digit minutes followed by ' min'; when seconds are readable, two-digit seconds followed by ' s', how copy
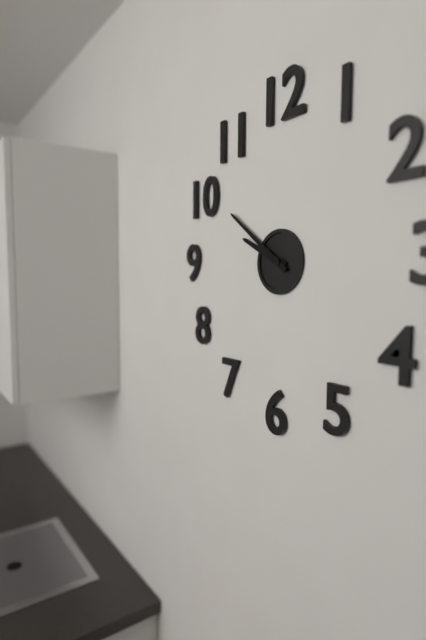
9 h 51 min
